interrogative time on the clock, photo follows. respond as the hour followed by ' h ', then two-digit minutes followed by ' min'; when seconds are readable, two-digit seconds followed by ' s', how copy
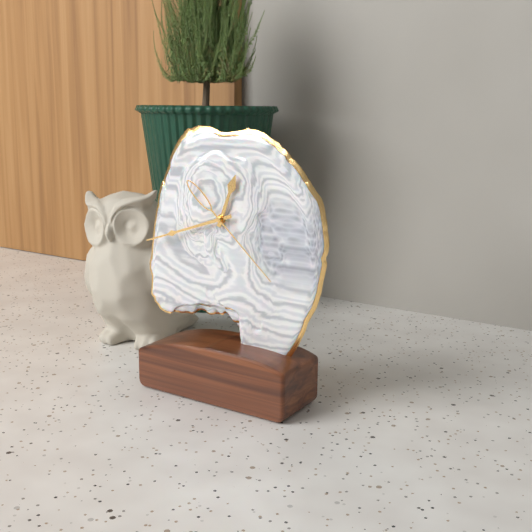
12 h 42 min 22 s
